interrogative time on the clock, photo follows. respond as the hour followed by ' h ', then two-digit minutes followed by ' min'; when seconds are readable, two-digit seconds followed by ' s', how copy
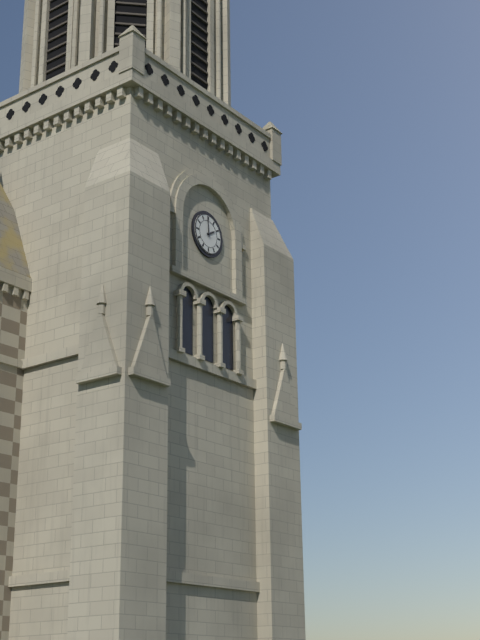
1 h 59 min
